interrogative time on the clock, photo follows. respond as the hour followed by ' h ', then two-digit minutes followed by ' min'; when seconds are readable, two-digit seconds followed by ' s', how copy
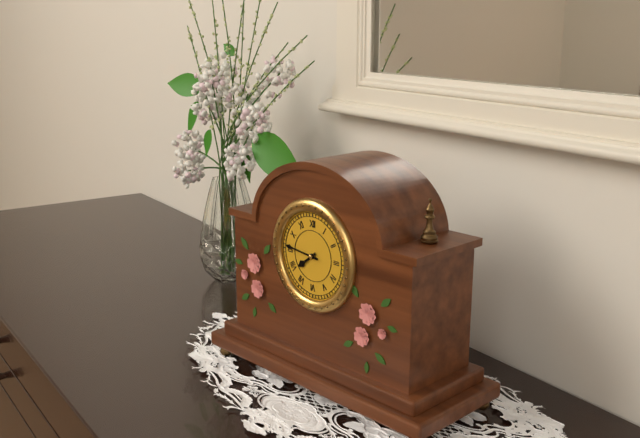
7 h 46 min
